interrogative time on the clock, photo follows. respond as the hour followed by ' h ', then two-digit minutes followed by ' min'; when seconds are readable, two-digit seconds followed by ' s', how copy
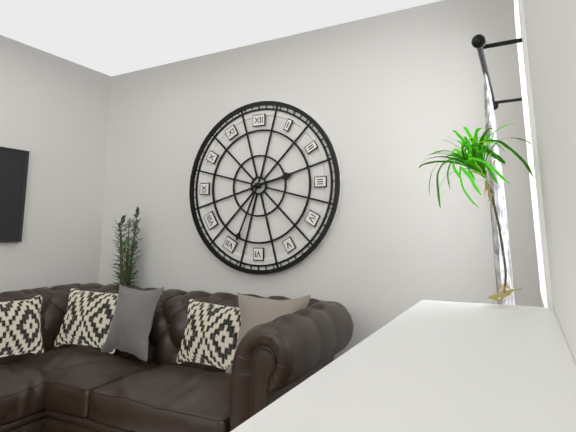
2 h 34 min
